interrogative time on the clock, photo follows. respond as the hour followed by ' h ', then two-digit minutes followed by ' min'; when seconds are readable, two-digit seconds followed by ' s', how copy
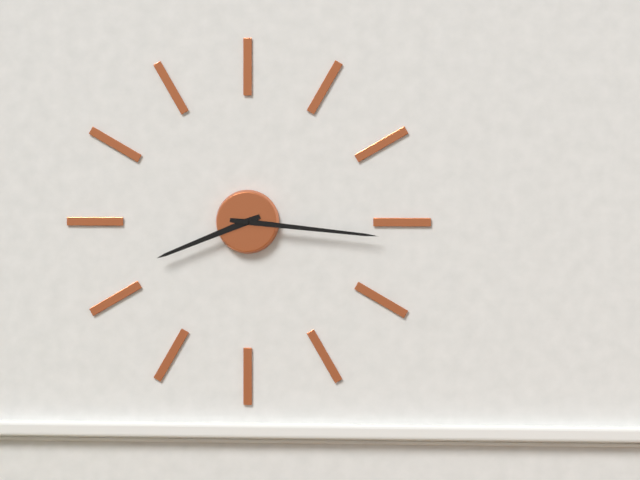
8 h 16 min
